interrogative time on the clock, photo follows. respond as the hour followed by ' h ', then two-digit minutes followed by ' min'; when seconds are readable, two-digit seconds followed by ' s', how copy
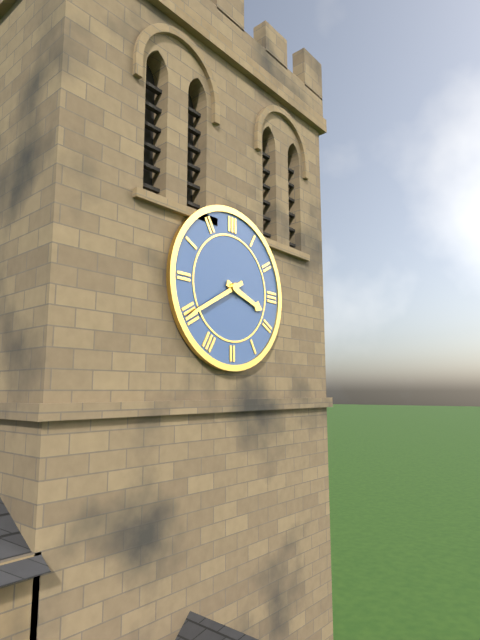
3 h 40 min
